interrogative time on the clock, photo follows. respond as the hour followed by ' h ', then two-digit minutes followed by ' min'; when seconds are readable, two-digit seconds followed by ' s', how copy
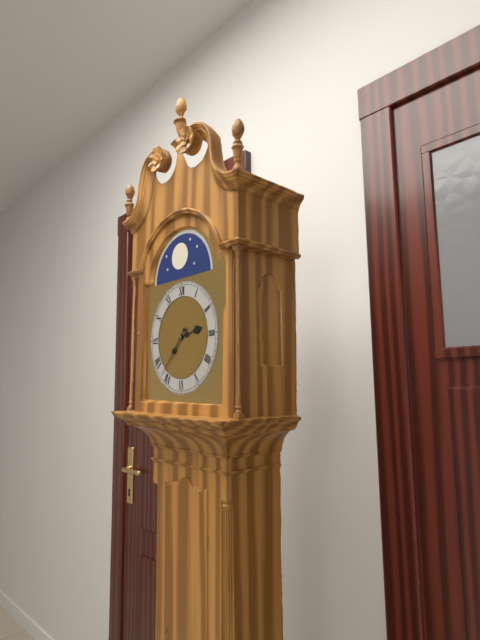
2 h 37 min
